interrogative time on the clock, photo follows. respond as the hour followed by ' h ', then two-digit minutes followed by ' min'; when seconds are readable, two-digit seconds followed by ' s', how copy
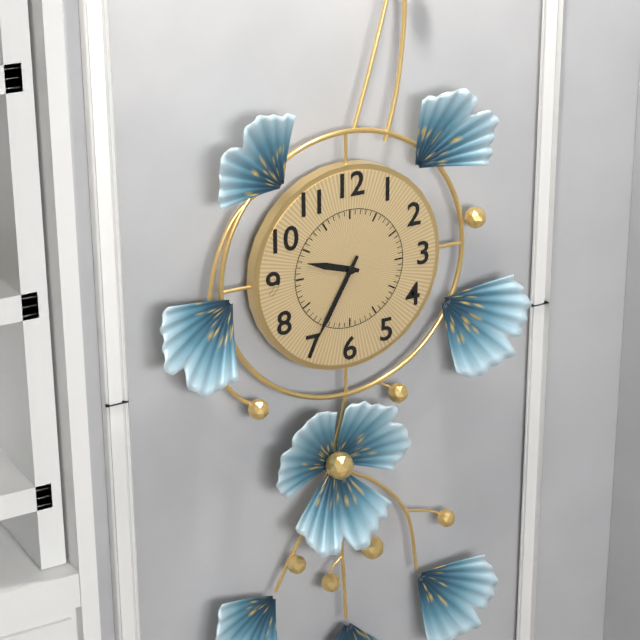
9 h 35 min
